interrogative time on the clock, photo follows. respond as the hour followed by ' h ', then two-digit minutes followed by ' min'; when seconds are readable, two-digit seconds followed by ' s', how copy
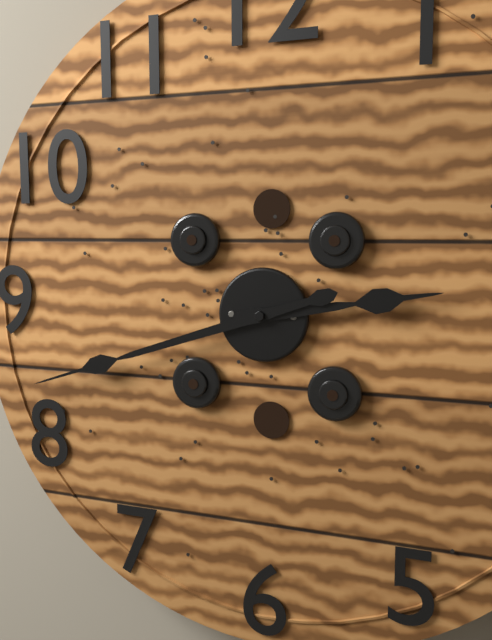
2 h 42 min
